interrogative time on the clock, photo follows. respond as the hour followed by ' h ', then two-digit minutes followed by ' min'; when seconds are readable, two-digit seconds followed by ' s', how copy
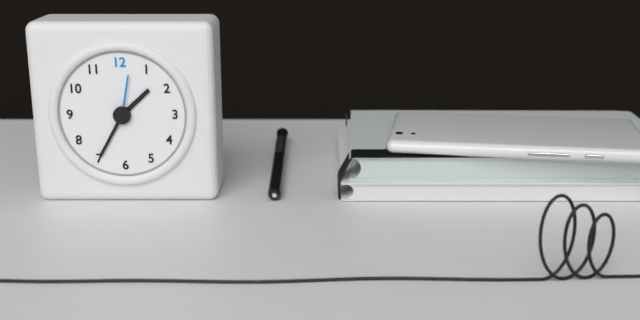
1 h 35 min 02 s
